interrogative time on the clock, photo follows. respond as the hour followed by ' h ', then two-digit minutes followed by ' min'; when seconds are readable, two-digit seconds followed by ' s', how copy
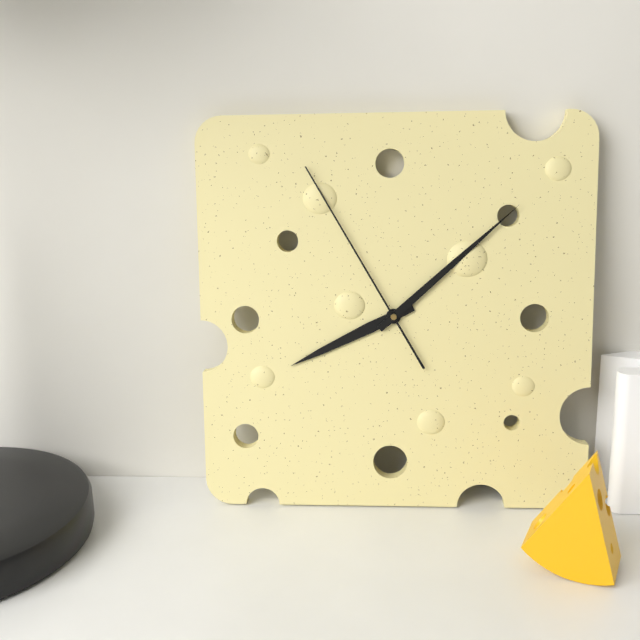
8 h 08 min 55 s
